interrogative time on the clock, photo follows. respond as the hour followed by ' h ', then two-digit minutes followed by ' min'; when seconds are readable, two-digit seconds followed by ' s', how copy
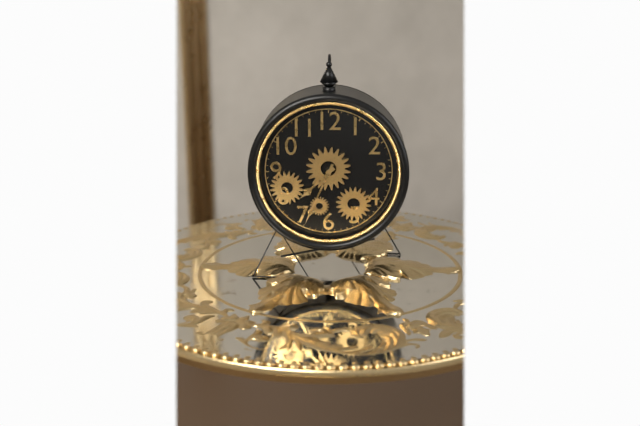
7 h 34 min
